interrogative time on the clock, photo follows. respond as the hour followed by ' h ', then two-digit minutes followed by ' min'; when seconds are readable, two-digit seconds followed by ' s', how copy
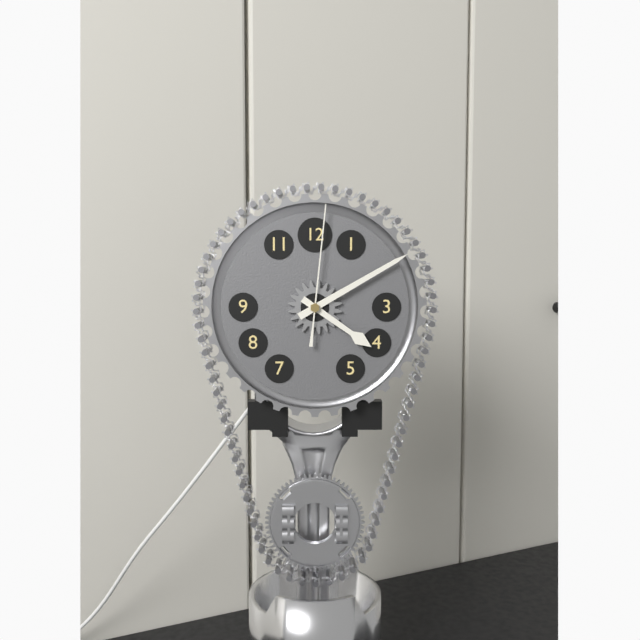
4 h 10 min 01 s
